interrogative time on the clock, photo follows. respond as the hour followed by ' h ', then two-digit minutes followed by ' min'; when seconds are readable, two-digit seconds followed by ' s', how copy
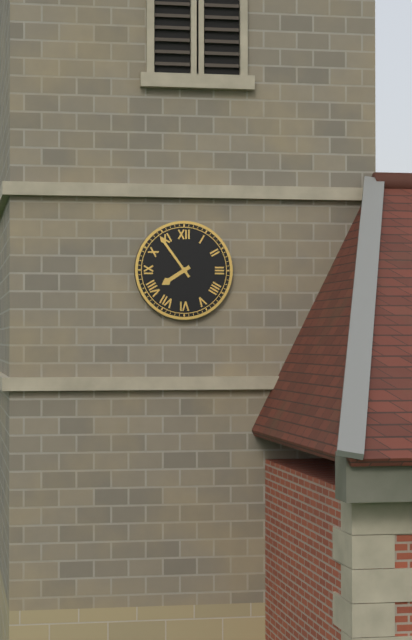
7 h 54 min
